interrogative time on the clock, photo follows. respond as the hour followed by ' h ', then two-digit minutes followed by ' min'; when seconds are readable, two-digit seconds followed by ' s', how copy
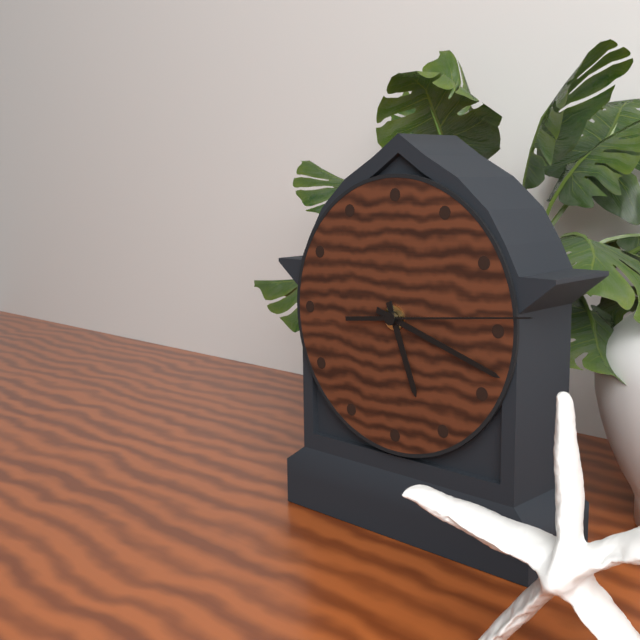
5 h 18 min 14 s
